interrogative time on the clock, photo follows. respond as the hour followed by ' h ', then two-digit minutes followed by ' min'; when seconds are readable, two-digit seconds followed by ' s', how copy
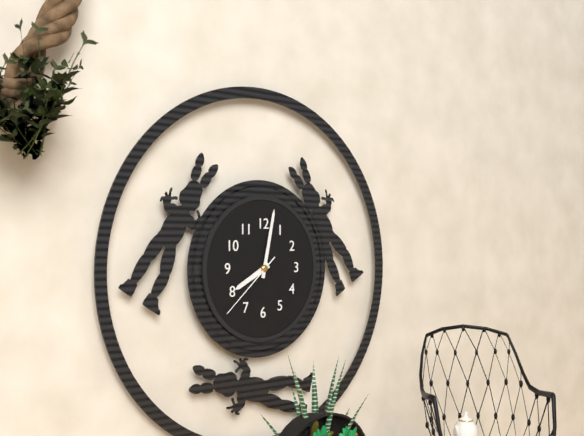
8 h 02 min 38 s
